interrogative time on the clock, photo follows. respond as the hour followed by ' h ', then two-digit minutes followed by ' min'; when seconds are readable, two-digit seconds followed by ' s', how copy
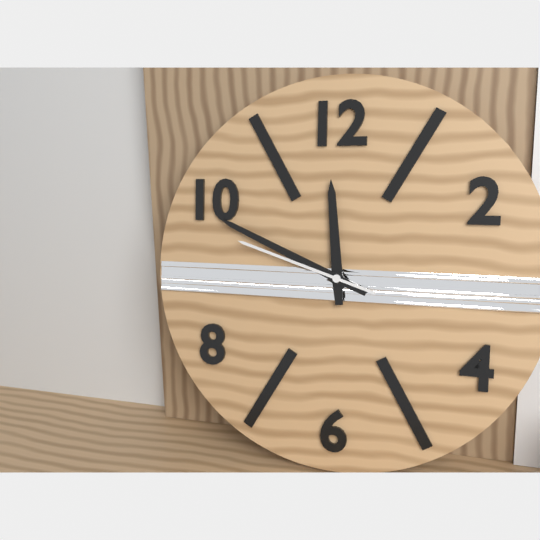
11 h 49 min 48 s
